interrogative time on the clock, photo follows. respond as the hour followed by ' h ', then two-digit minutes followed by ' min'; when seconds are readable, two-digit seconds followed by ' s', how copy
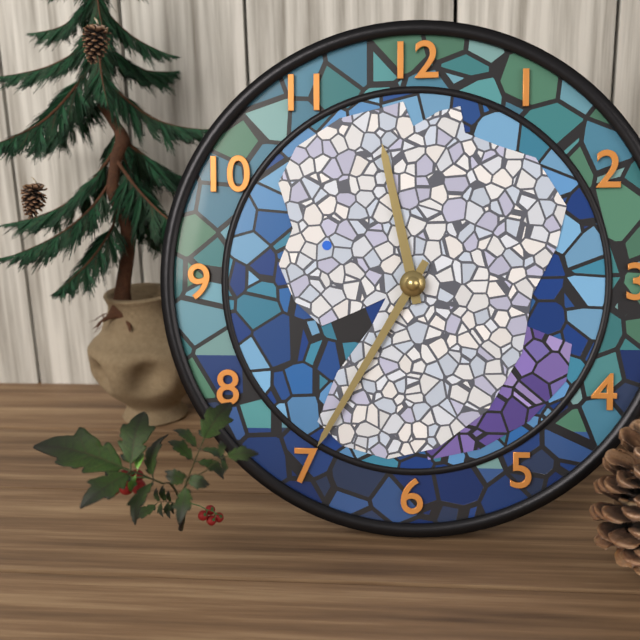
11 h 35 min
